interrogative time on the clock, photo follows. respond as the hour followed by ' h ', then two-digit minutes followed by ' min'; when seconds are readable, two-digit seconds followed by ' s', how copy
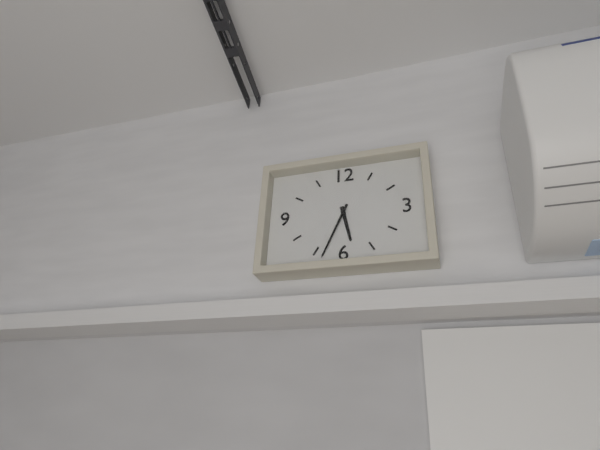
5 h 34 min
